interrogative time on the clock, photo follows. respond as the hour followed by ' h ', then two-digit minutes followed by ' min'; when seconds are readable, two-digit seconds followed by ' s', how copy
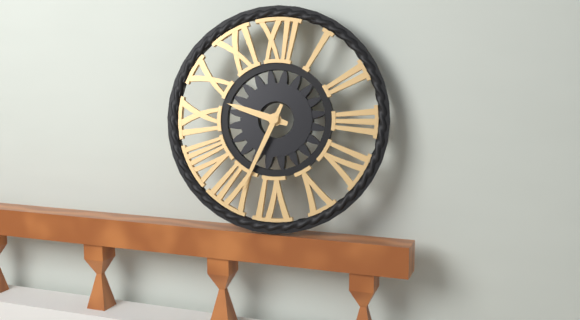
9 h 34 min
